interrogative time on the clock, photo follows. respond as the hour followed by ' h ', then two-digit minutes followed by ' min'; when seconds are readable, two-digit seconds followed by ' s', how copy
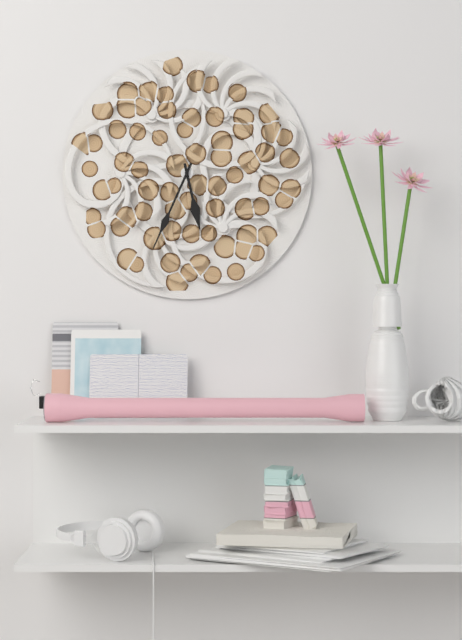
5 h 34 min
